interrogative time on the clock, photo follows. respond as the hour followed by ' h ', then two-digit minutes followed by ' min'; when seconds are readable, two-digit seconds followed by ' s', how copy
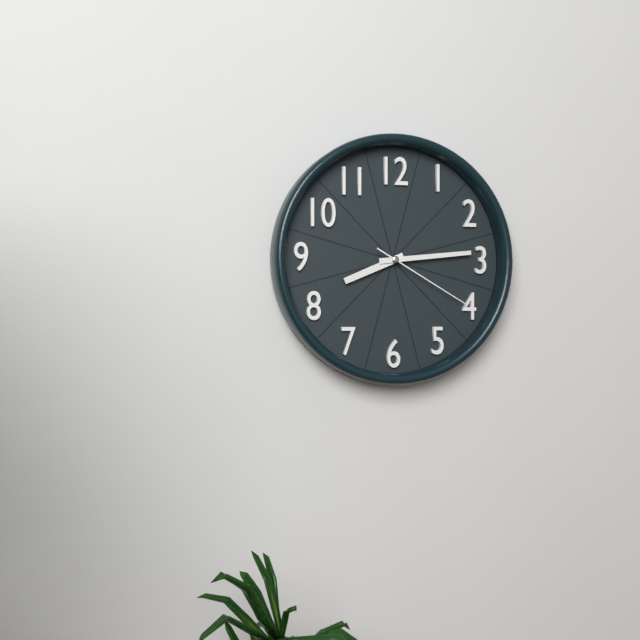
8 h 14 min 20 s
